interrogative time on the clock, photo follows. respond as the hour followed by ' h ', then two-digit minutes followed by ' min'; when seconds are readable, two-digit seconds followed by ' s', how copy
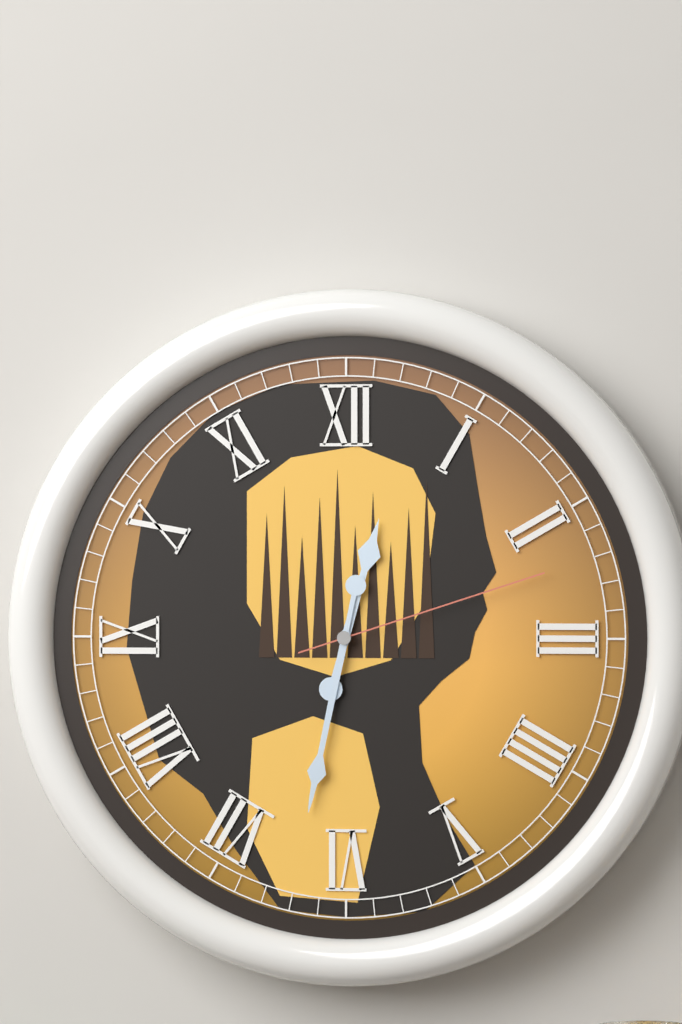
12 h 32 min 12 s
